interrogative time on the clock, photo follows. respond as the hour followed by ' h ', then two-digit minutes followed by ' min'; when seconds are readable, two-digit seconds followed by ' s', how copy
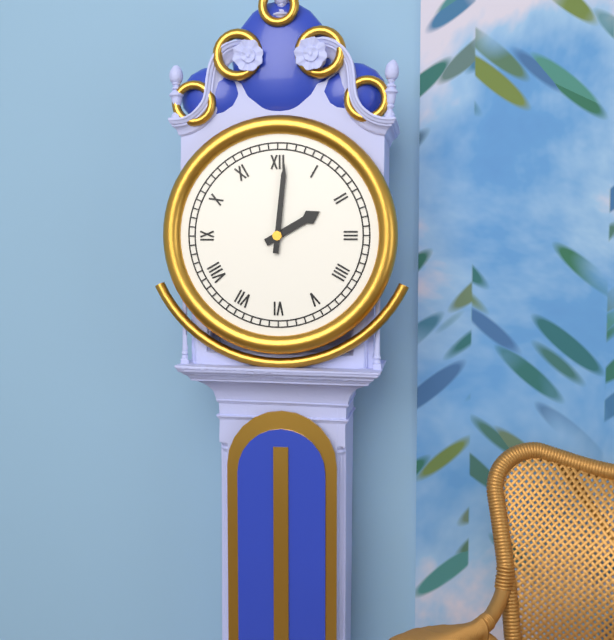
2 h 01 min
